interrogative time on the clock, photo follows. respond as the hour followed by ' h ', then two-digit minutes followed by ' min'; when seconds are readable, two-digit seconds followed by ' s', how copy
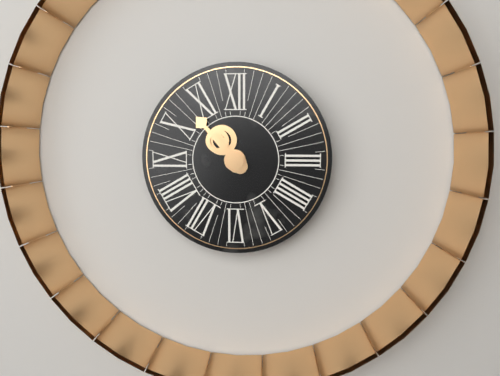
10 h 53 min
